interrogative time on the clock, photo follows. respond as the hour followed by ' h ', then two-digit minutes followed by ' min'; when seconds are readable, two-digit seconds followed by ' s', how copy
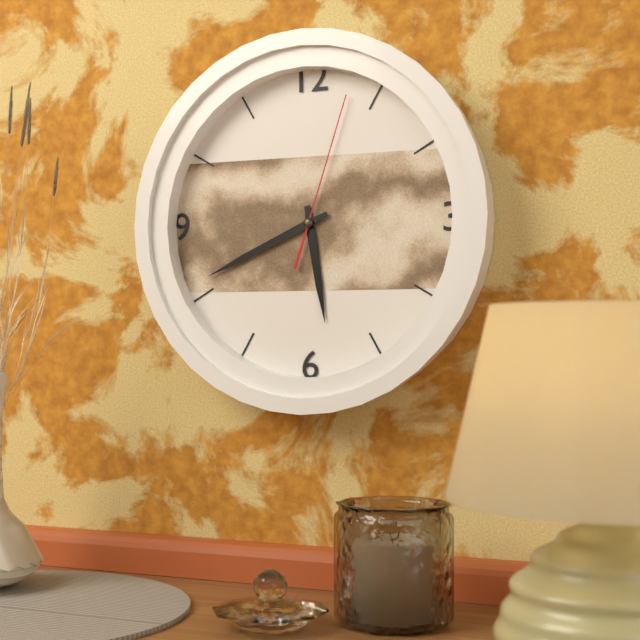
5 h 41 min 03 s
